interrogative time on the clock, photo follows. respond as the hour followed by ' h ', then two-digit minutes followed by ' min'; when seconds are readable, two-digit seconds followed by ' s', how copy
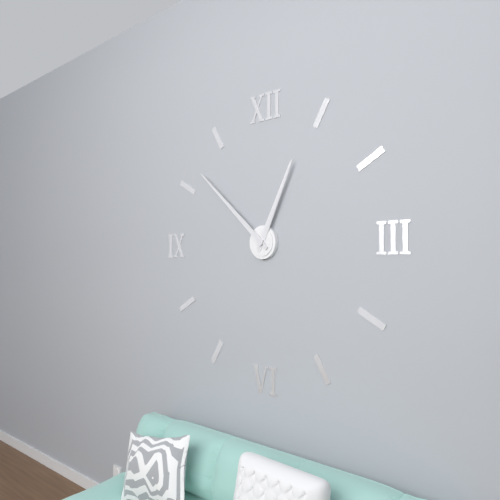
12 h 52 min
